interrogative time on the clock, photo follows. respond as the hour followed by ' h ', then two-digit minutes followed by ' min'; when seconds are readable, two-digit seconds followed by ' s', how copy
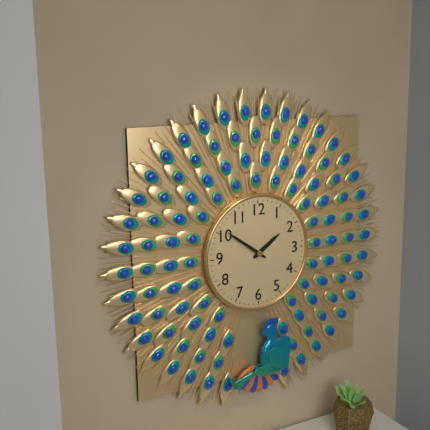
1 h 51 min
